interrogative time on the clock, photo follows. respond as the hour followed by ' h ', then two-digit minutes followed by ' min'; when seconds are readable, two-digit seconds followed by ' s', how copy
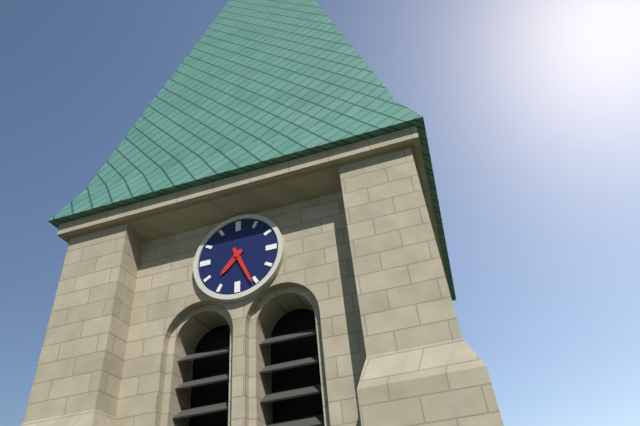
7 h 26 min
